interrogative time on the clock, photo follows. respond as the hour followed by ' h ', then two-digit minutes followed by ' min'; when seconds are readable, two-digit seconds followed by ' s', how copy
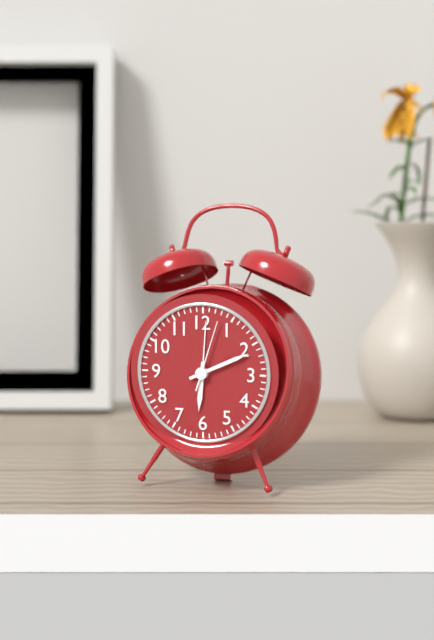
6 h 11 min 03 s
